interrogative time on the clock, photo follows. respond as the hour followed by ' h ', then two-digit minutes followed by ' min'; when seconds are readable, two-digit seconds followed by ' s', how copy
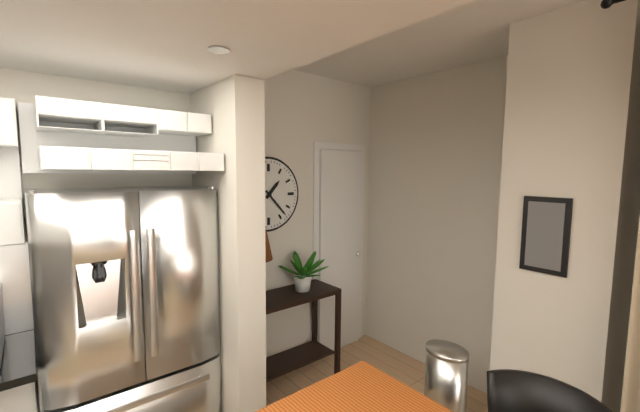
1 h 23 min
